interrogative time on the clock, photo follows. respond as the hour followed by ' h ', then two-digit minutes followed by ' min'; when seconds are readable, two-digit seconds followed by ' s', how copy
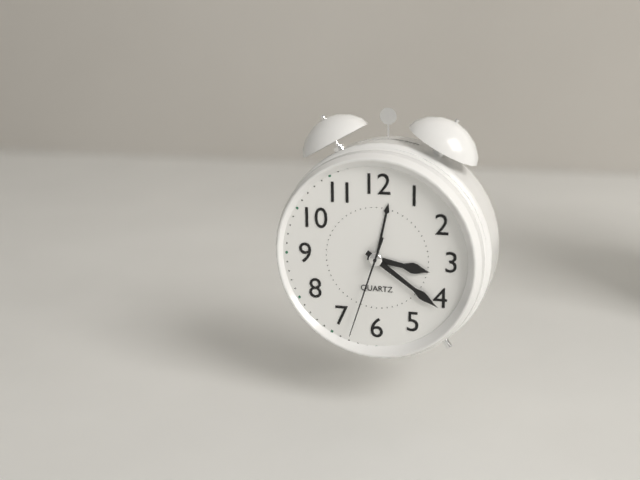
3 h 21 min 33 s
